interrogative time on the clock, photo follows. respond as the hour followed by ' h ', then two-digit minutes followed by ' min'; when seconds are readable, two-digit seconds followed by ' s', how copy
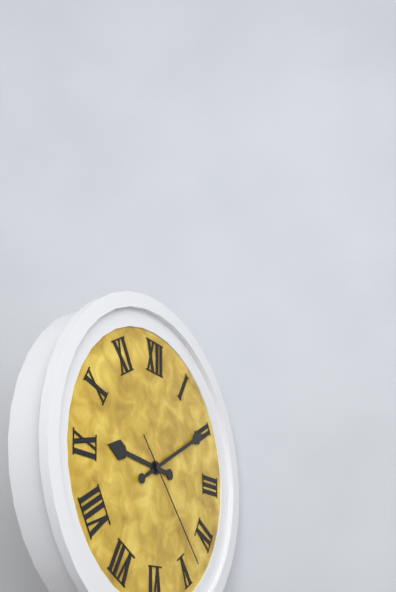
9 h 10 min 23 s
